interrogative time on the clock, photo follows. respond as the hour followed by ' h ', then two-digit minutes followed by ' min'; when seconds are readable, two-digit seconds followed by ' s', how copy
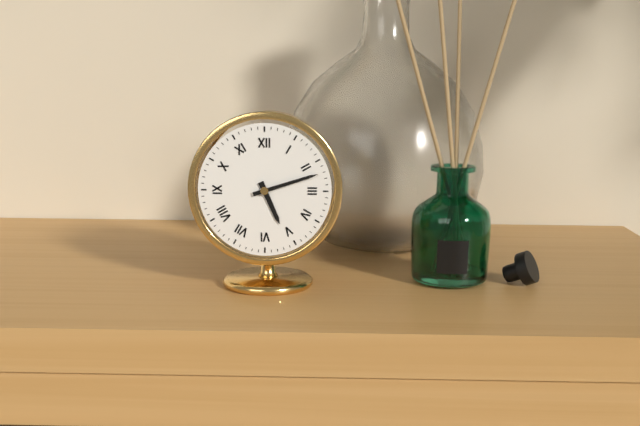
5 h 12 min
